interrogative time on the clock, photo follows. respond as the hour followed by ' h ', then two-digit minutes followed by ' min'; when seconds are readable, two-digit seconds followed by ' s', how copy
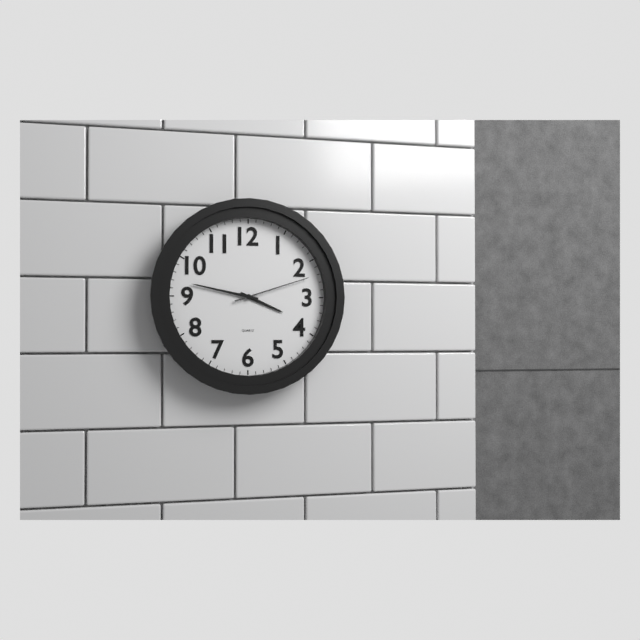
3 h 47 min 12 s
